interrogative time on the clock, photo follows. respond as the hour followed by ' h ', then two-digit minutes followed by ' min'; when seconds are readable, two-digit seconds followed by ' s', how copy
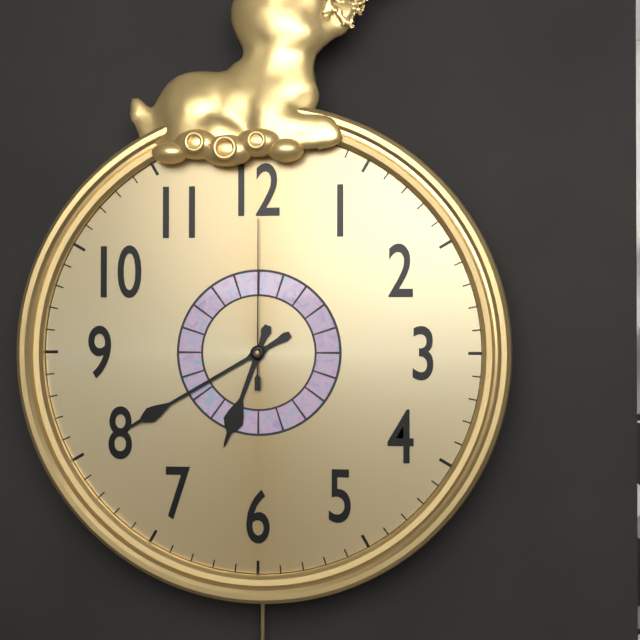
6 h 40 min 00 s
